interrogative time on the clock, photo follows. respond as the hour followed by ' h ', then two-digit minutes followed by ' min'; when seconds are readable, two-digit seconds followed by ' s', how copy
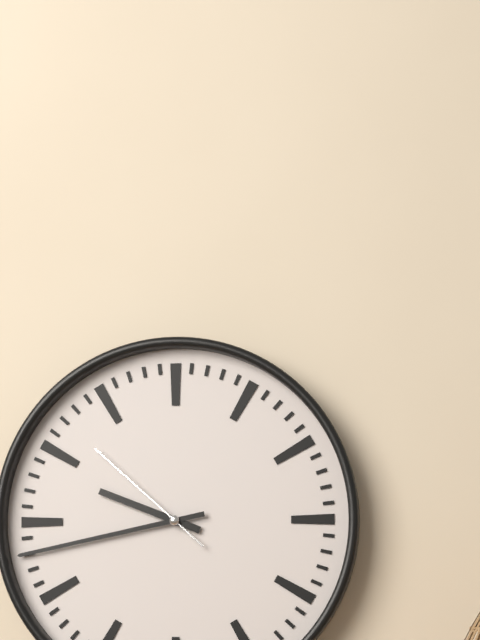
9 h 43 min 52 s
